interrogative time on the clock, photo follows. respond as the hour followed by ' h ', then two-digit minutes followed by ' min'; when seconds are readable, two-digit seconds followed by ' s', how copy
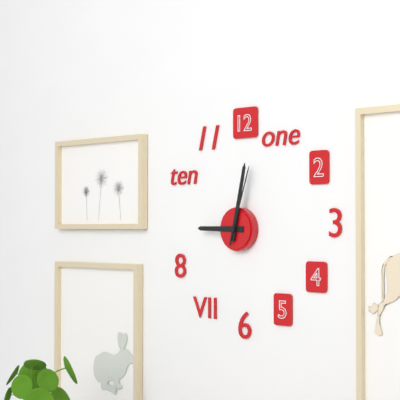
9 h 02 min 03 s
